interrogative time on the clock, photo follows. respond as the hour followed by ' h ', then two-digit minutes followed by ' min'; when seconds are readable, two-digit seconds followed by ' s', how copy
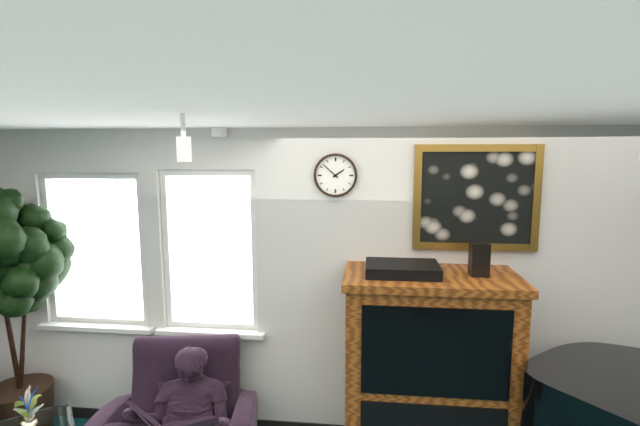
1 h 52 min
